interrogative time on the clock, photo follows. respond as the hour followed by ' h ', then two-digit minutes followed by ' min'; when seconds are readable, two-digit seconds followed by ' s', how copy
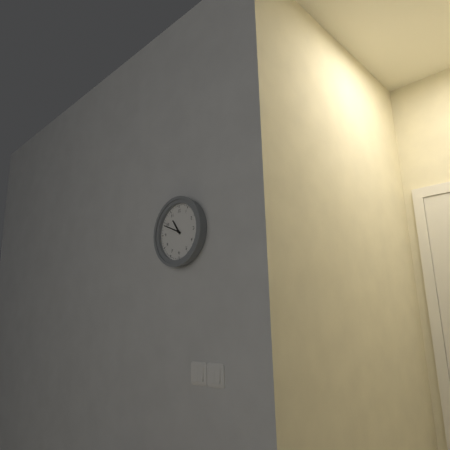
10 h 49 min
